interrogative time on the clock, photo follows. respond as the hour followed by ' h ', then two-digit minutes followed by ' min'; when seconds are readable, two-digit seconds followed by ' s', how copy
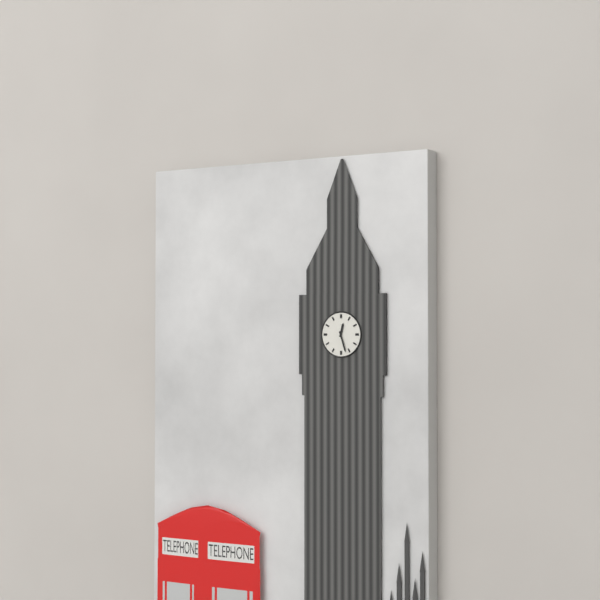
12 h 27 min
